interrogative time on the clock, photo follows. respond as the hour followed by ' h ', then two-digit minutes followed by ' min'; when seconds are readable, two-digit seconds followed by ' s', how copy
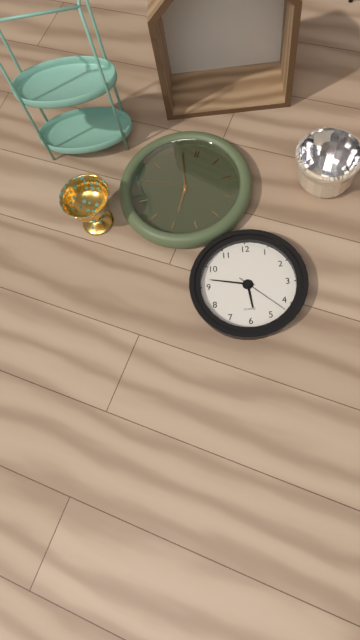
5 h 47 min 22 s
